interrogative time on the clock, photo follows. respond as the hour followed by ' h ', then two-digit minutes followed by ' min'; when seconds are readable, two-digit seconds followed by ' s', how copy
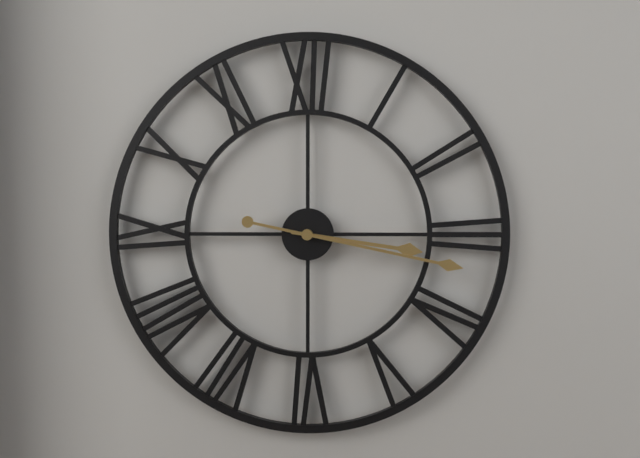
3 h 17 min
